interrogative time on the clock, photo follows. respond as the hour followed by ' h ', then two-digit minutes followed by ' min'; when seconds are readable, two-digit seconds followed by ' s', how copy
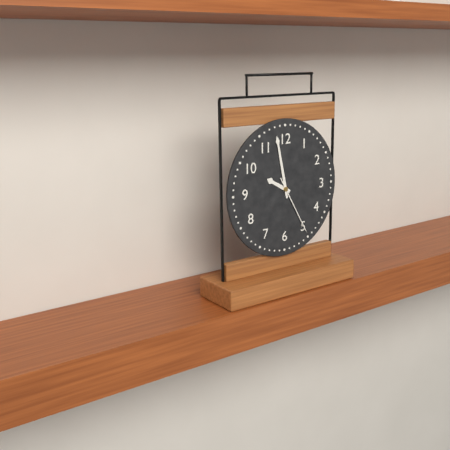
9 h 58 min 25 s
